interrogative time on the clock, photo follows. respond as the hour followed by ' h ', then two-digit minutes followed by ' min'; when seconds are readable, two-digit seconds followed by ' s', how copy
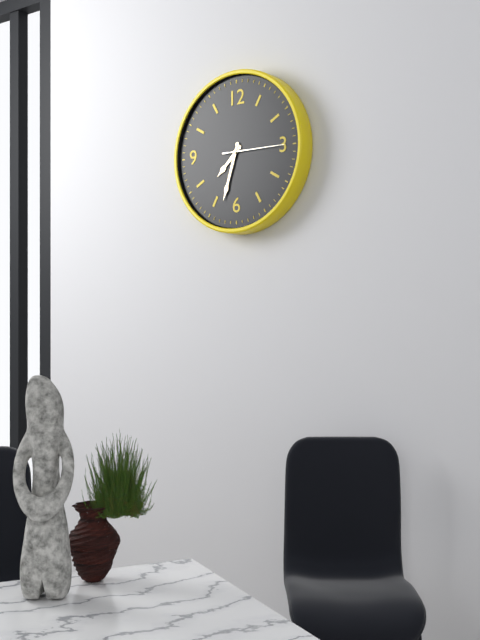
7 h 33 min 15 s
